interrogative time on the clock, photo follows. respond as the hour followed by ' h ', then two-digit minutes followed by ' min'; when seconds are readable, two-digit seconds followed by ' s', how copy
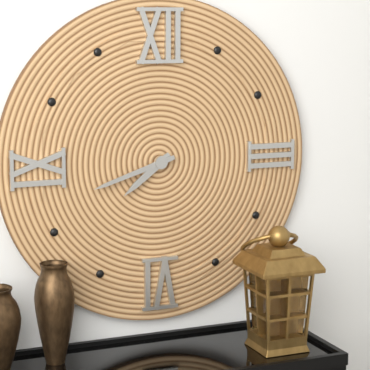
7 h 42 min
